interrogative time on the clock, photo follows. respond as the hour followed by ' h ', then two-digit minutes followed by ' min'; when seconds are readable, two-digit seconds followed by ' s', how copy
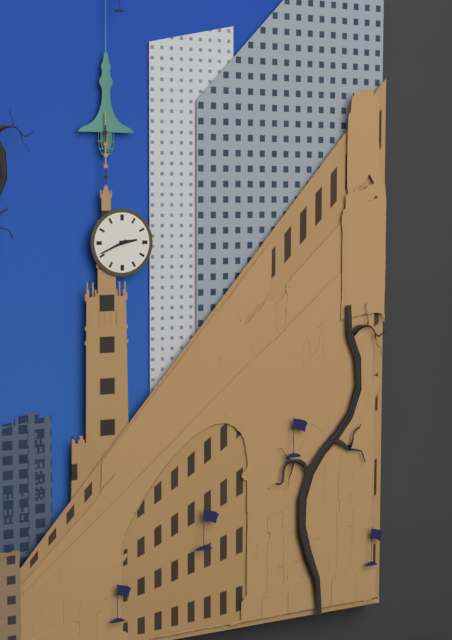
2 h 41 min
